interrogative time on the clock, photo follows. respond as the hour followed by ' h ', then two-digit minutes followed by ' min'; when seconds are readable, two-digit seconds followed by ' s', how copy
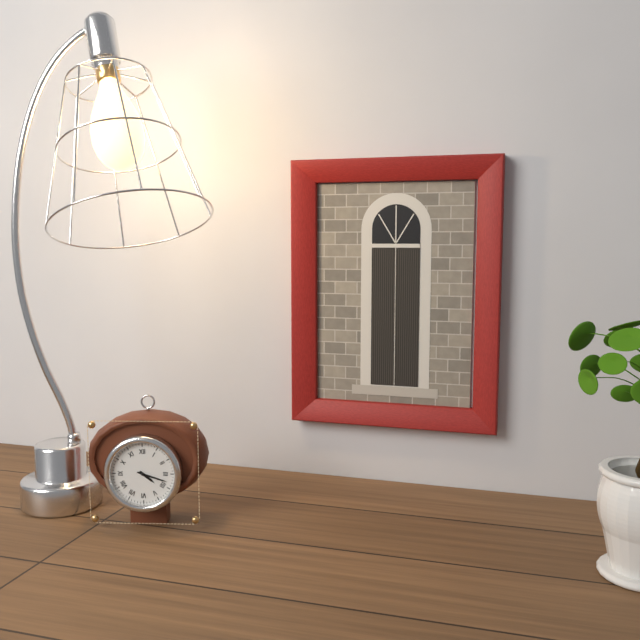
4 h 18 min
